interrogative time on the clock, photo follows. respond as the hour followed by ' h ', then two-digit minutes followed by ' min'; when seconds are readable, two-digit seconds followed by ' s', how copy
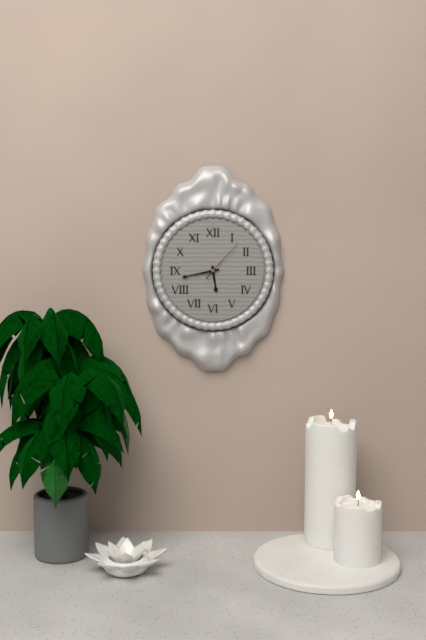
5 h 43 min
